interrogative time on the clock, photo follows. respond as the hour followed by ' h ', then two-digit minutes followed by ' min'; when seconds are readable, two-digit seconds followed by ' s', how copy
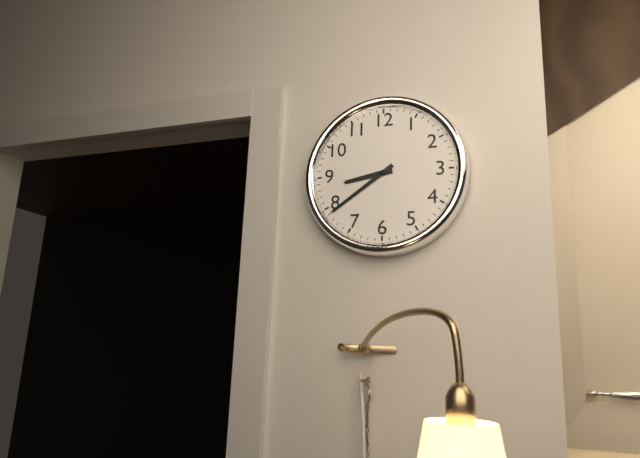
8 h 39 min
